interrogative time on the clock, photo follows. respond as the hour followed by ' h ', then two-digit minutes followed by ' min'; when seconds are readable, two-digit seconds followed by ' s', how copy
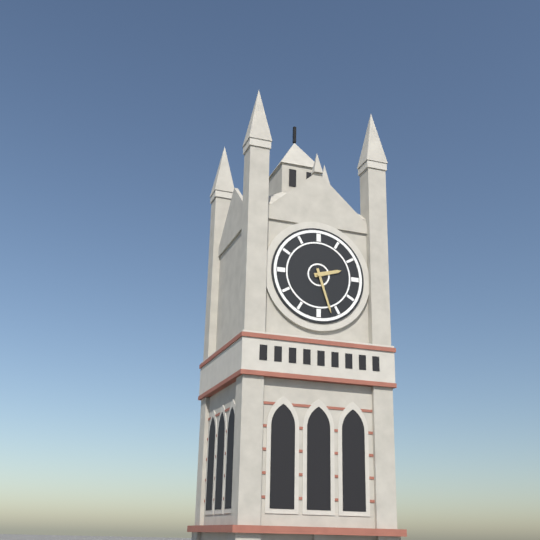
2 h 27 min
